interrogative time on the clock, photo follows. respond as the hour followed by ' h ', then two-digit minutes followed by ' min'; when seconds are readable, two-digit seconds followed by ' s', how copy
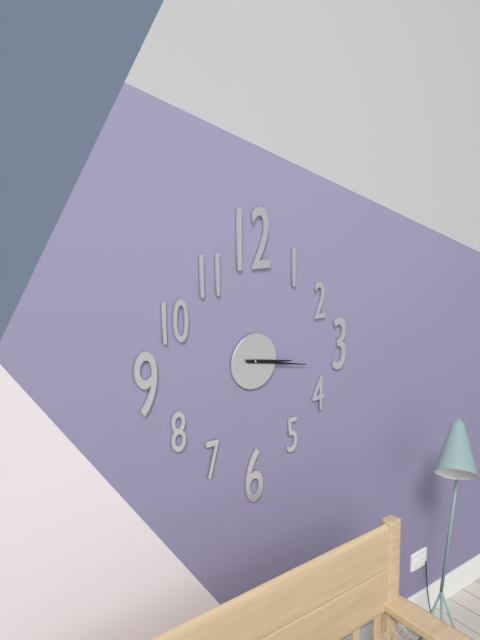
3 h 17 min
